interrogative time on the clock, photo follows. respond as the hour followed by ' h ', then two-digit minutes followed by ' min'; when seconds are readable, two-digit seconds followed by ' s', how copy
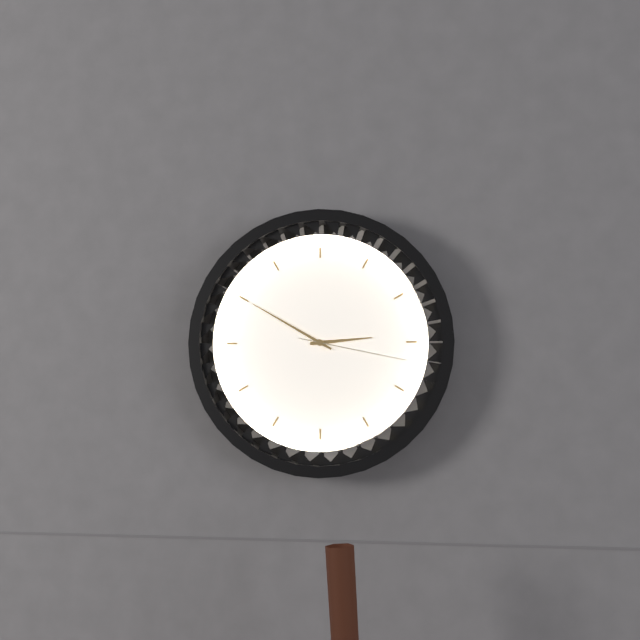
2 h 50 min 17 s
